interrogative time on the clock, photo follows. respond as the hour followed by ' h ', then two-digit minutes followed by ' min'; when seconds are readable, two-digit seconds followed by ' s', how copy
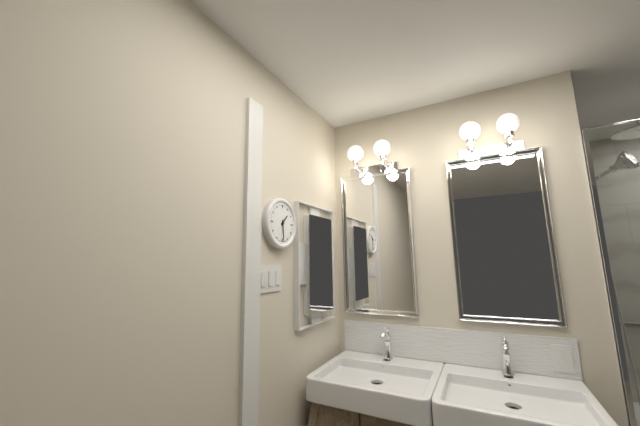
1 h 29 min
